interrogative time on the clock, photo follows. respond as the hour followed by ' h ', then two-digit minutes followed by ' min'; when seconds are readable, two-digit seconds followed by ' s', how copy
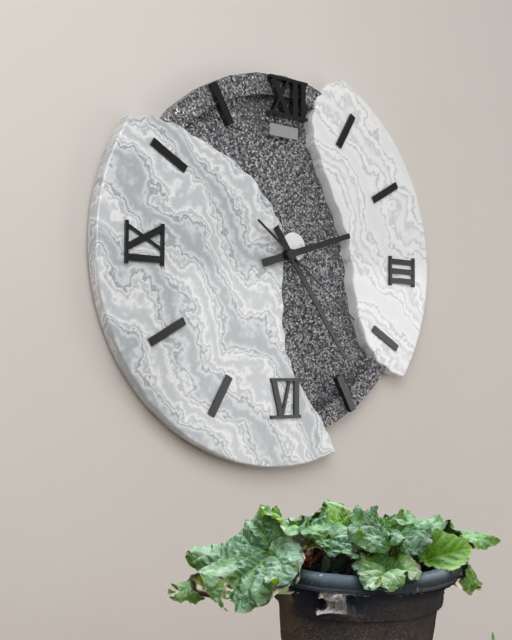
2 h 24 min 21 s
